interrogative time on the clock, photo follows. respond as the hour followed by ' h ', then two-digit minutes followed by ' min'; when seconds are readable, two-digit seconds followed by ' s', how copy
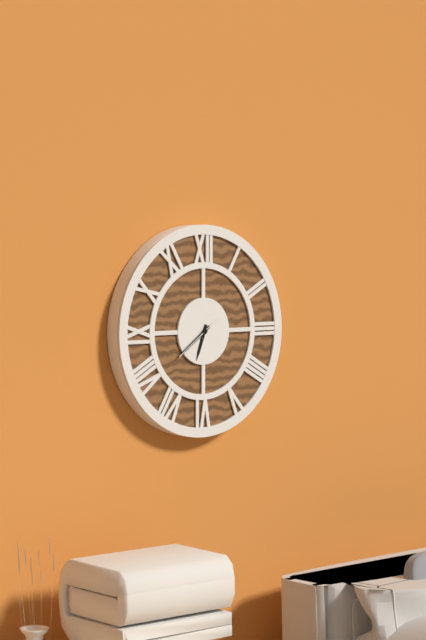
6 h 39 min
